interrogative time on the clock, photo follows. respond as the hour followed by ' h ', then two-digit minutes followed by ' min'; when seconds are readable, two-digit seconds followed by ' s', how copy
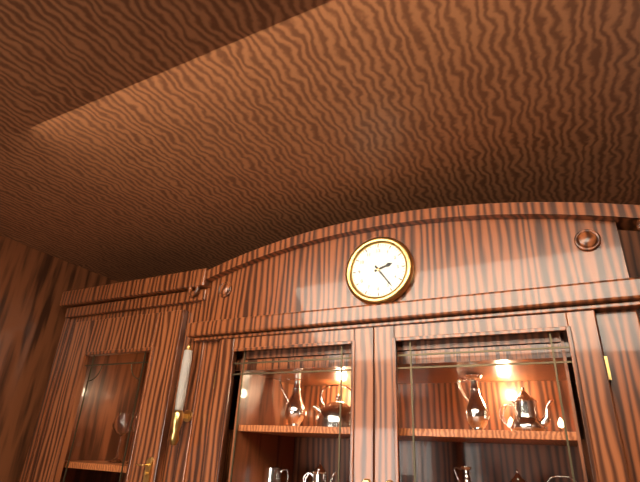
2 h 24 min
